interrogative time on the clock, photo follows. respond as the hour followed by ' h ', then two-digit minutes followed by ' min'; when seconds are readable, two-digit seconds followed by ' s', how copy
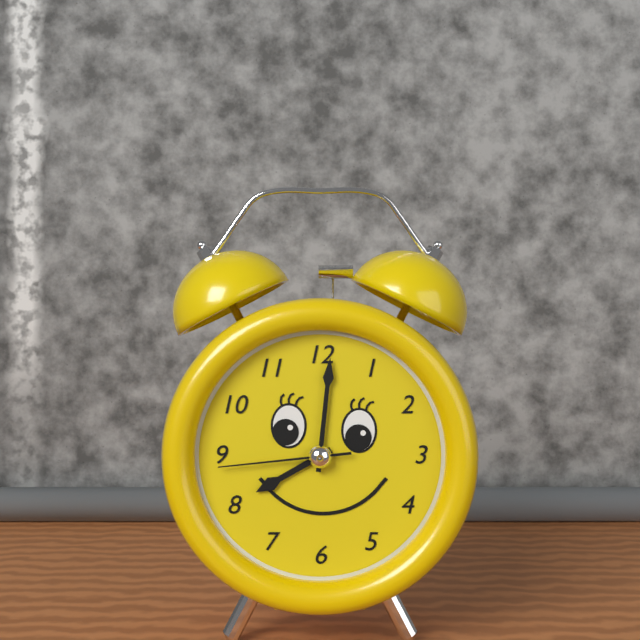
8 h 01 min 44 s
